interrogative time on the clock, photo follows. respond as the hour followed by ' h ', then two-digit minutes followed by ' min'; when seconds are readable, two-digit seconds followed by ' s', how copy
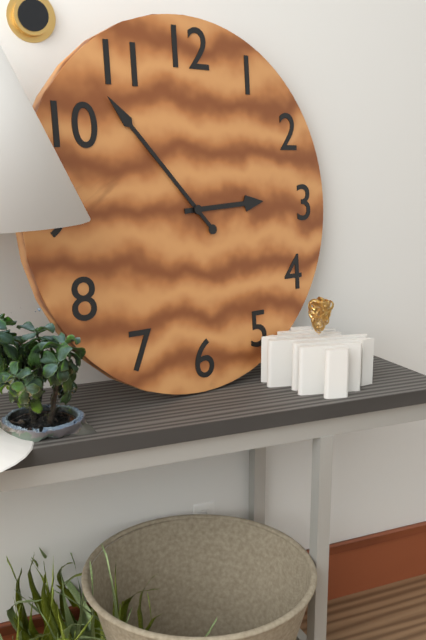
2 h 53 min
